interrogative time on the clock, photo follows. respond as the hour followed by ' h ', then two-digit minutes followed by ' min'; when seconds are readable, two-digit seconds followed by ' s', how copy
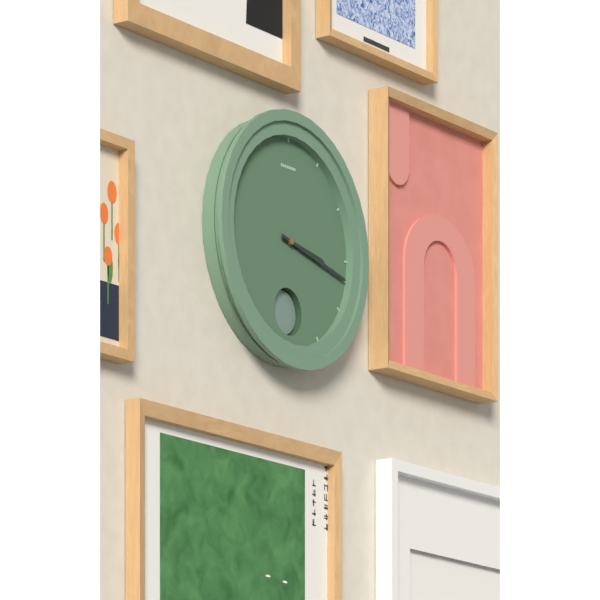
3 h 17 min
